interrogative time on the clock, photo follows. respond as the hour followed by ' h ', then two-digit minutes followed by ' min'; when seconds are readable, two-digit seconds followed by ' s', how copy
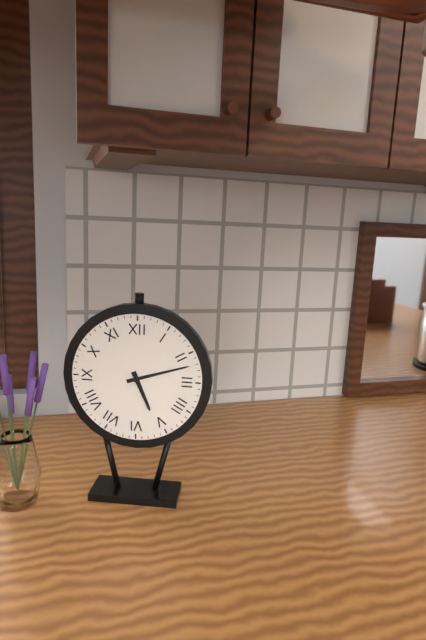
5 h 12 min
